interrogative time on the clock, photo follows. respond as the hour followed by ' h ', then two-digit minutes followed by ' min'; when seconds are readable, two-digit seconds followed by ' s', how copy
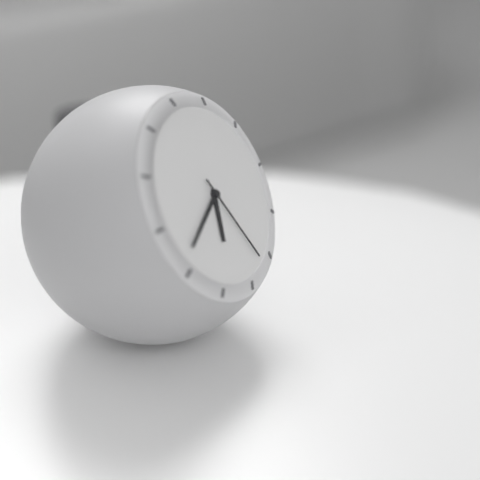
6 h 41 min 27 s
